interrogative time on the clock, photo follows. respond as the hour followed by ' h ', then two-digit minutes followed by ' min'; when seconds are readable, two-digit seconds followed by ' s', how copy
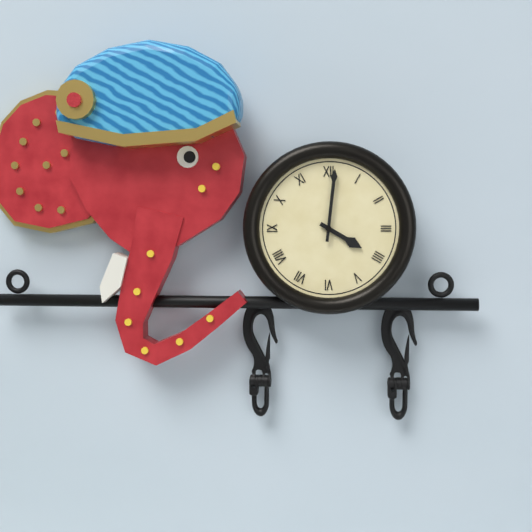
4 h 01 min
